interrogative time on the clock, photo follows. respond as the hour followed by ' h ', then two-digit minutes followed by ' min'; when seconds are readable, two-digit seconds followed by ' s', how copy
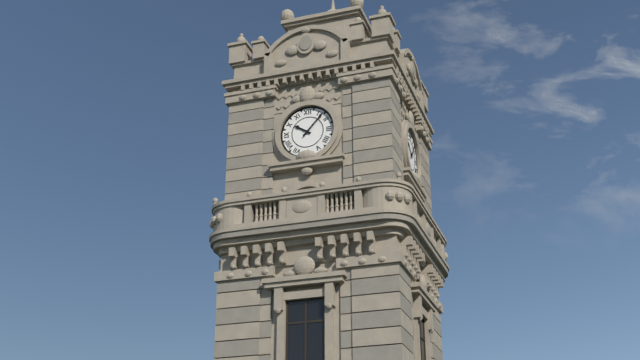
10 h 07 min
